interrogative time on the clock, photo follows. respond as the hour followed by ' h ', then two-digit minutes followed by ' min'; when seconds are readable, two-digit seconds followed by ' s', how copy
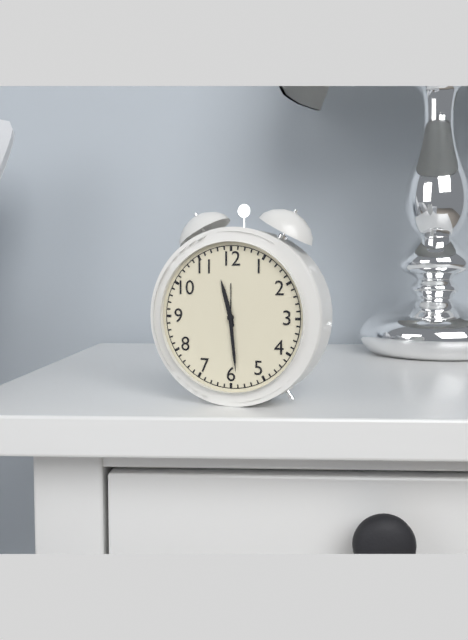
11 h 29 min
